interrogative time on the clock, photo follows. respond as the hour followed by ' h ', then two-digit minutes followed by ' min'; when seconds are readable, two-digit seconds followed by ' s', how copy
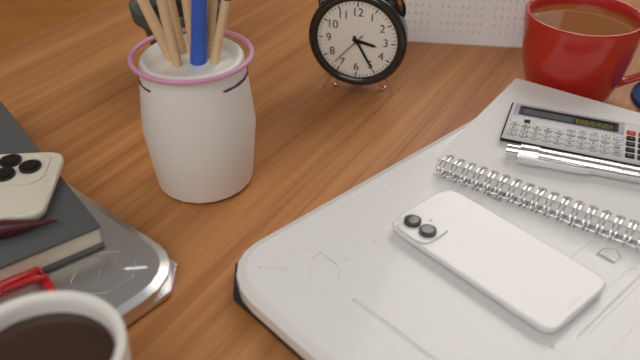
3 h 25 min
